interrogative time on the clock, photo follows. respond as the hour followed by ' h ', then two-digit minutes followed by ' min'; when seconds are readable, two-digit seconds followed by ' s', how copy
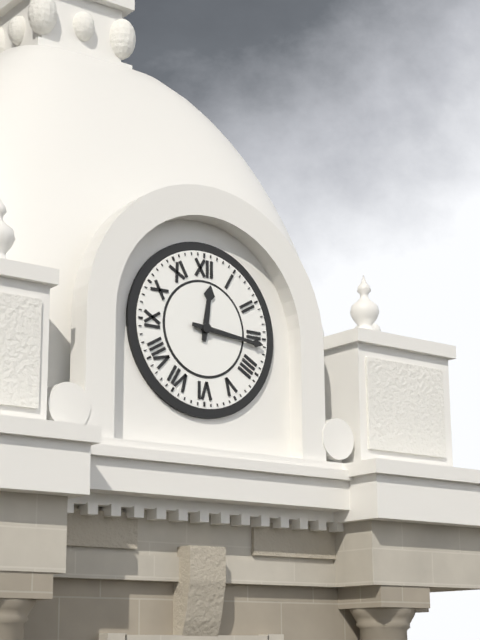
12 h 16 min
